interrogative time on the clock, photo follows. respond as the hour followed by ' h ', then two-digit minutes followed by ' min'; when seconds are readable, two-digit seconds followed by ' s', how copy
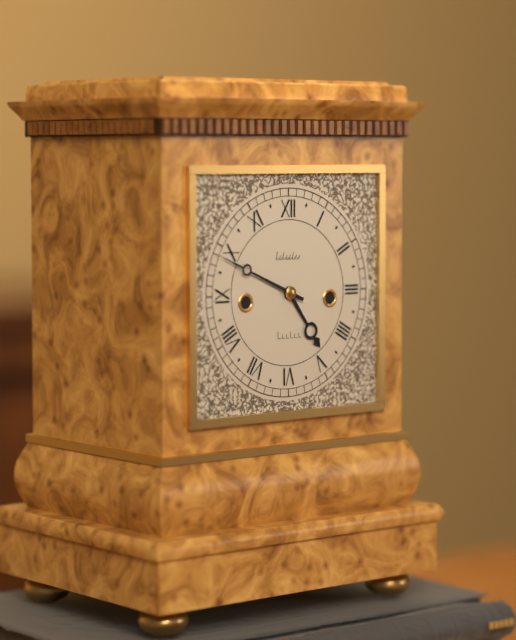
4 h 49 min
